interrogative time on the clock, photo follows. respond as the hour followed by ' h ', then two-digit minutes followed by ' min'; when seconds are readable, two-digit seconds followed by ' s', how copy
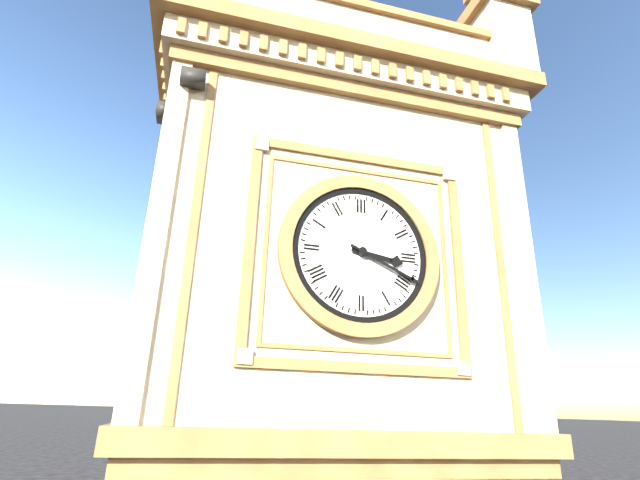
3 h 19 min
